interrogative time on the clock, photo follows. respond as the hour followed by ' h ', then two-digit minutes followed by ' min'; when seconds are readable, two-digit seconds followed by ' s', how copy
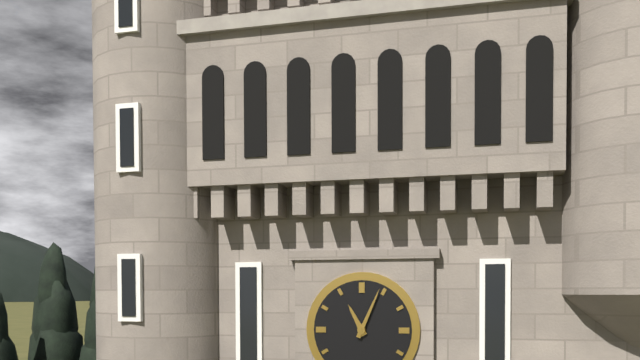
11 h 04 min
